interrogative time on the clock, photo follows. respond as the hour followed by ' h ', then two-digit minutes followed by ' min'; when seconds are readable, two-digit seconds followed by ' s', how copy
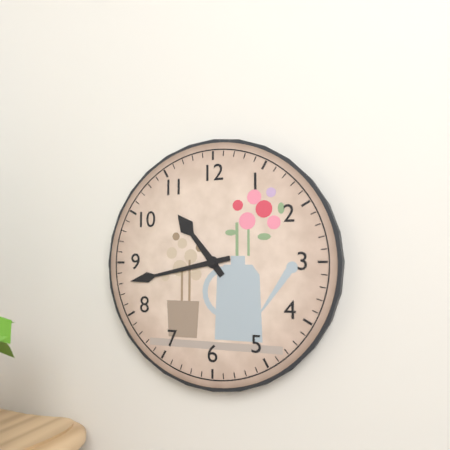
10 h 43 min
